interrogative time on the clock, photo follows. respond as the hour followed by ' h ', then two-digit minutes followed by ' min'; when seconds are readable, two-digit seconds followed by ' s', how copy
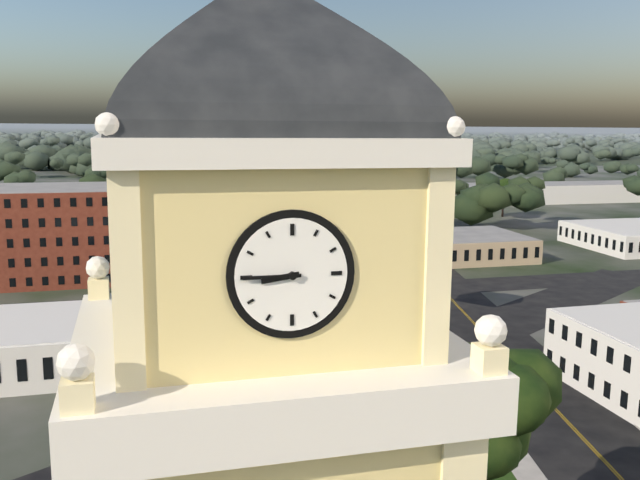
8 h 45 min
